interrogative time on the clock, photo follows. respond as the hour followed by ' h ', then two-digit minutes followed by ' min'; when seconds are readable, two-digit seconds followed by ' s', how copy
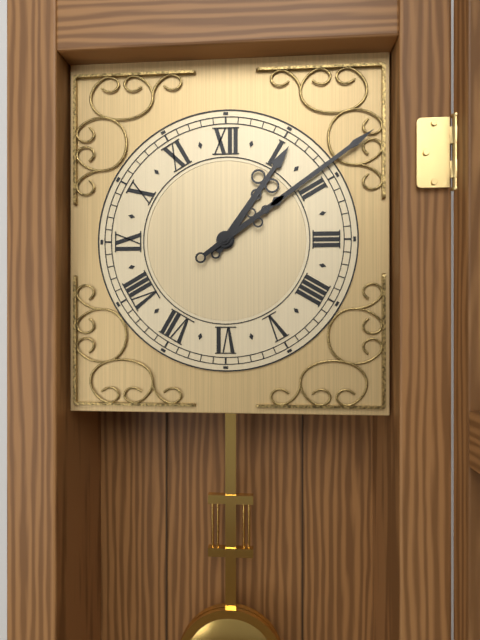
1 h 09 min
